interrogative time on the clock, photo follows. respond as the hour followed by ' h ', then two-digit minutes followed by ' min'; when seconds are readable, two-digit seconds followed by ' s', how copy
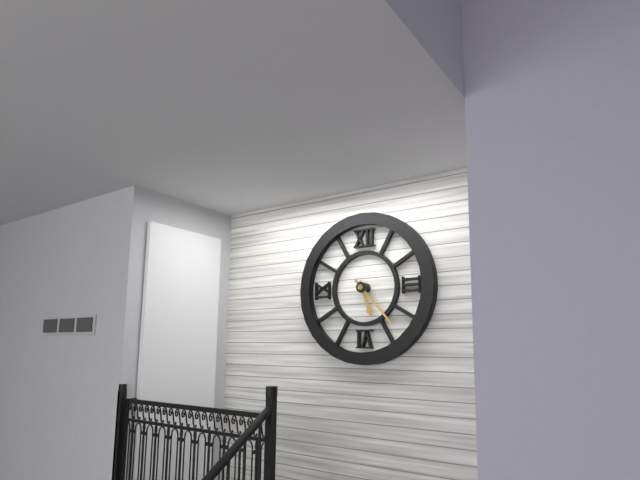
5 h 23 min
